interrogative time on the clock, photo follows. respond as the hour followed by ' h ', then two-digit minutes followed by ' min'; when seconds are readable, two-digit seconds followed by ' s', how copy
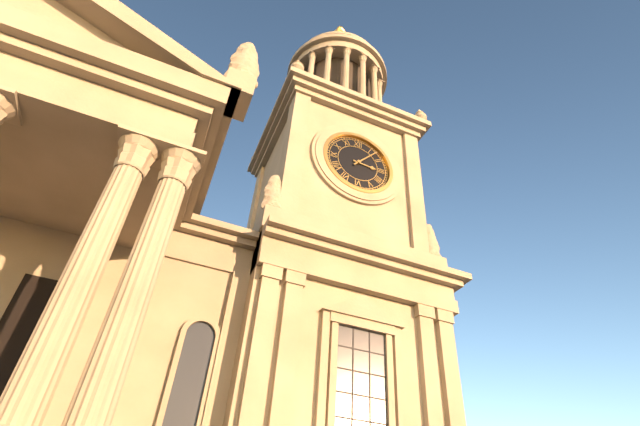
3 h 07 min
